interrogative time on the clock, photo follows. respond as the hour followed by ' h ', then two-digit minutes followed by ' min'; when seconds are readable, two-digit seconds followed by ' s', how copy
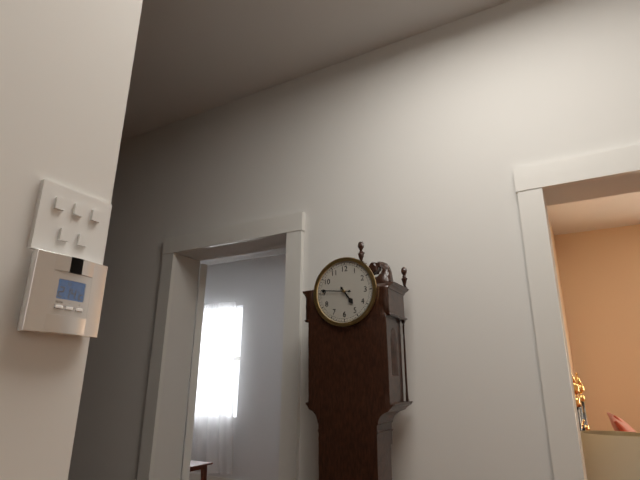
4 h 46 min
